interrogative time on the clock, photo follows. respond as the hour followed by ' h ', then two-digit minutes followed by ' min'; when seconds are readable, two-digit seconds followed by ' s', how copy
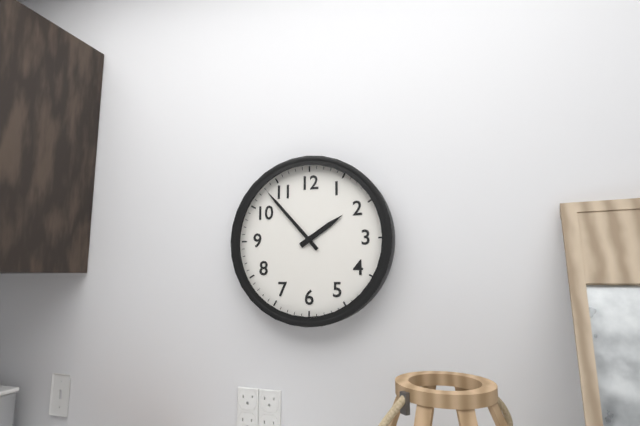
1 h 53 min
